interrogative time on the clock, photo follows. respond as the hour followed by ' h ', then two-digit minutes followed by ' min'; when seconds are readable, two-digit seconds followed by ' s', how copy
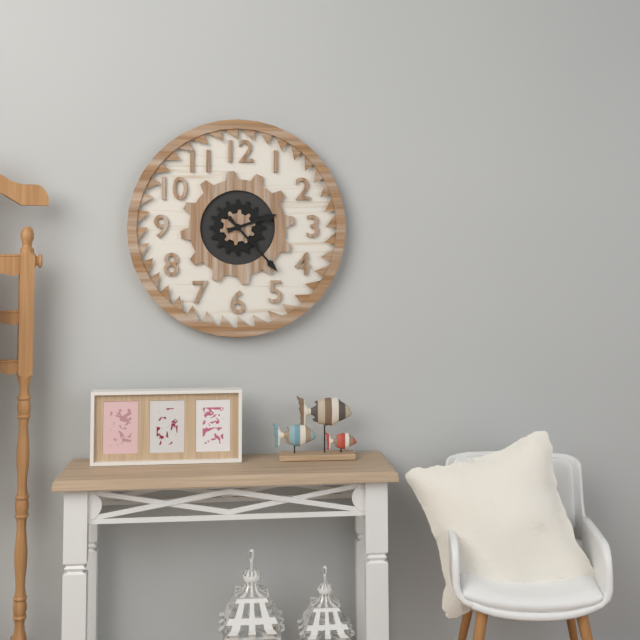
2 h 23 min
